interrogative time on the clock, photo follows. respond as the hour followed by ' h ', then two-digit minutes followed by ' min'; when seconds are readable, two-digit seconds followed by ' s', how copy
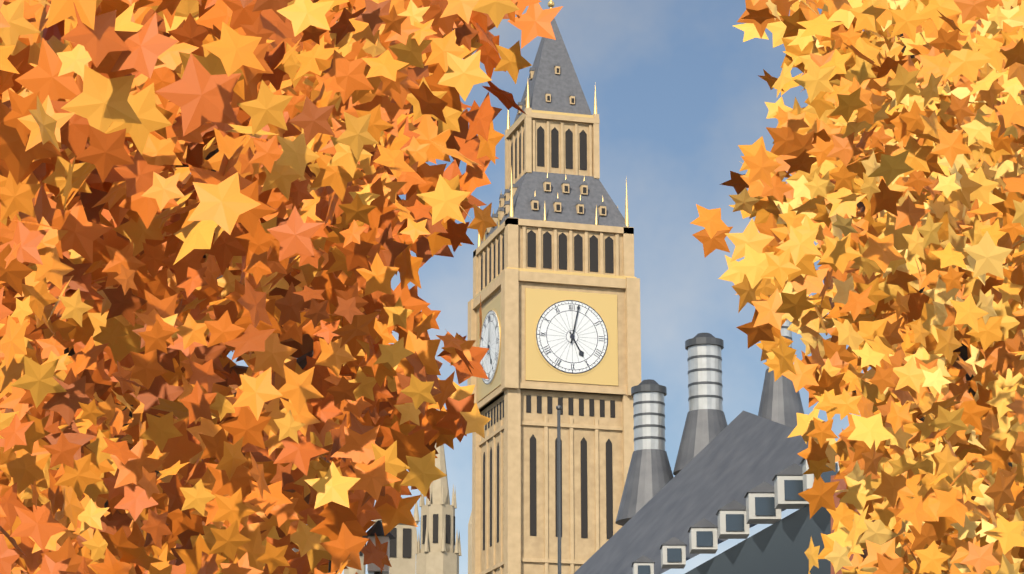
5 h 02 min
